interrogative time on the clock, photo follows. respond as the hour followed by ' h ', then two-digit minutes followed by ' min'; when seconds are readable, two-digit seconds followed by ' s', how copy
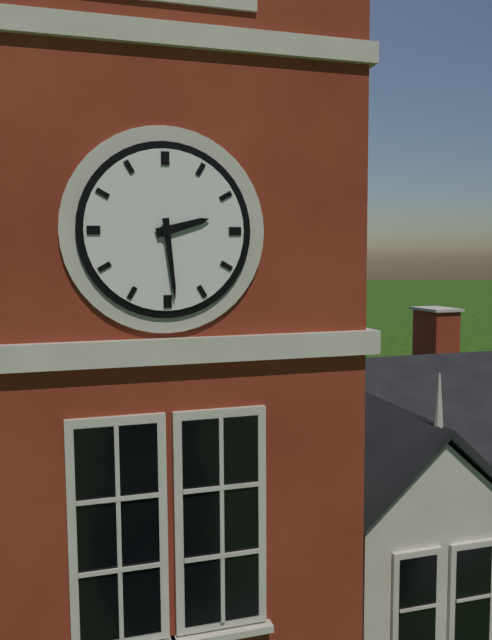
2 h 29 min
